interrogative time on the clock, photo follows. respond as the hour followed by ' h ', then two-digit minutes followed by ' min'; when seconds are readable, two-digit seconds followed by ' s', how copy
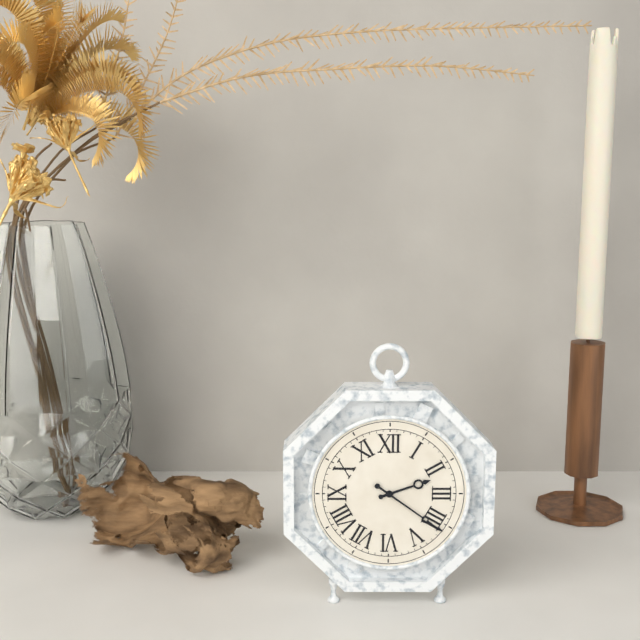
2 h 21 min
